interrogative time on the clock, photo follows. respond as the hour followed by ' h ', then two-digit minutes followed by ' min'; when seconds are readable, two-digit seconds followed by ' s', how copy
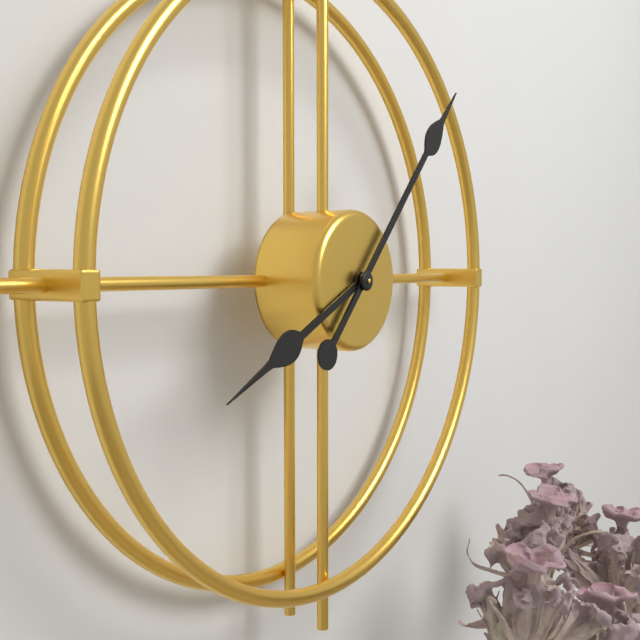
8 h 07 min
